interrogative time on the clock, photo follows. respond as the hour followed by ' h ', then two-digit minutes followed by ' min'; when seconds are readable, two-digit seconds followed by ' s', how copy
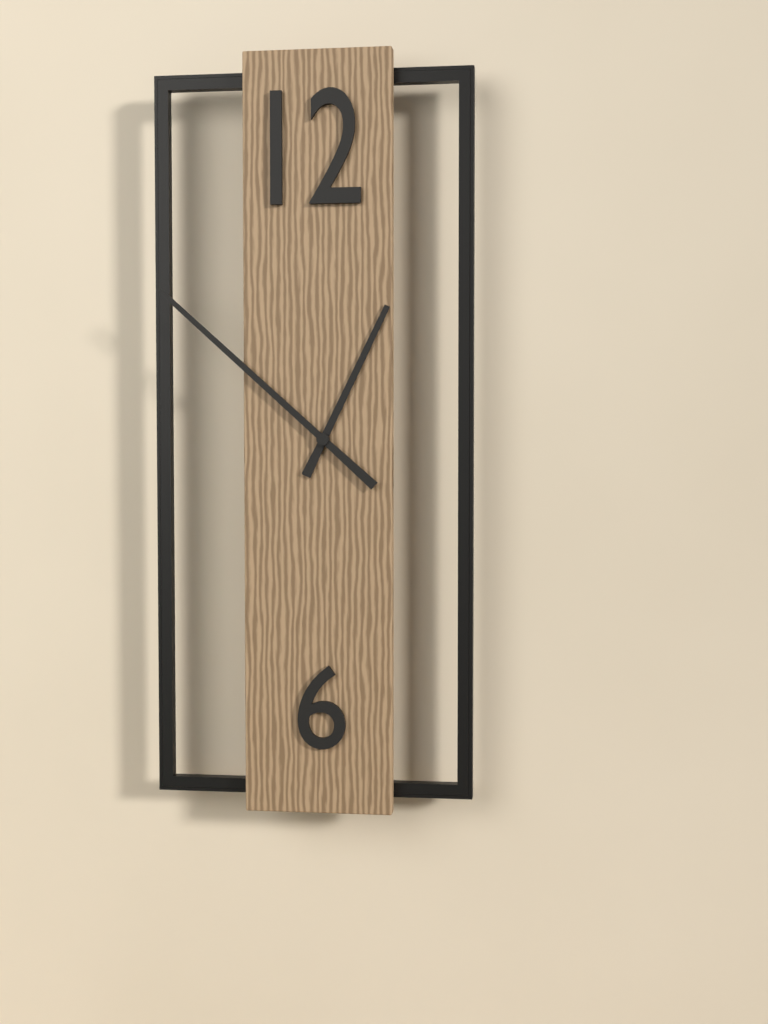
12 h 52 min
